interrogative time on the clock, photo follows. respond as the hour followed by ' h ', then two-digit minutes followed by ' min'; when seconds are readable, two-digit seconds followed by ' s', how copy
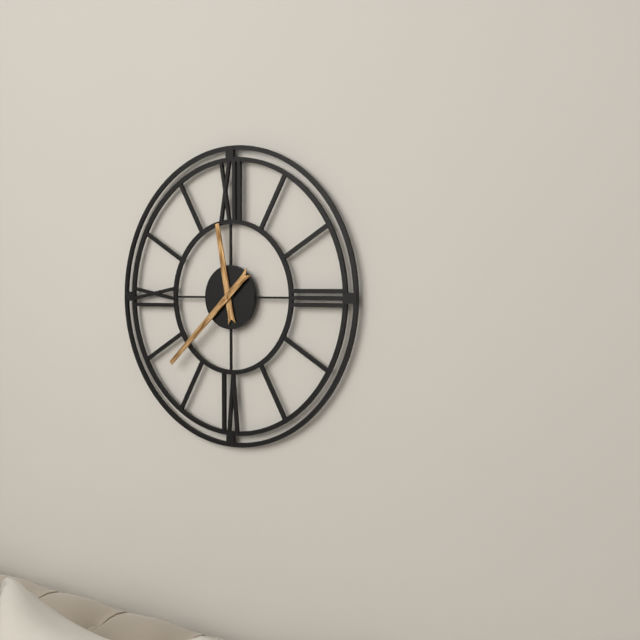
11 h 38 min
